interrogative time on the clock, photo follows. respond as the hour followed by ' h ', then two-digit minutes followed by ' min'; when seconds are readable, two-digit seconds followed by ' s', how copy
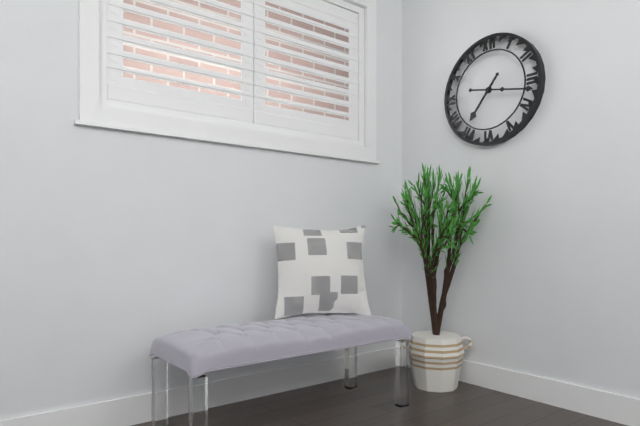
7 h 17 min
